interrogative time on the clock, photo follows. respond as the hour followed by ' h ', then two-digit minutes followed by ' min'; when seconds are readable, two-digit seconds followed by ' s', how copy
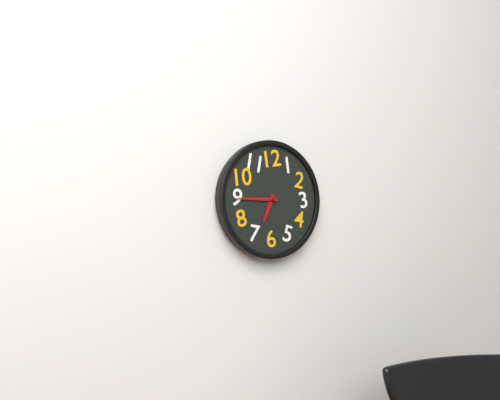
6 h 45 min
